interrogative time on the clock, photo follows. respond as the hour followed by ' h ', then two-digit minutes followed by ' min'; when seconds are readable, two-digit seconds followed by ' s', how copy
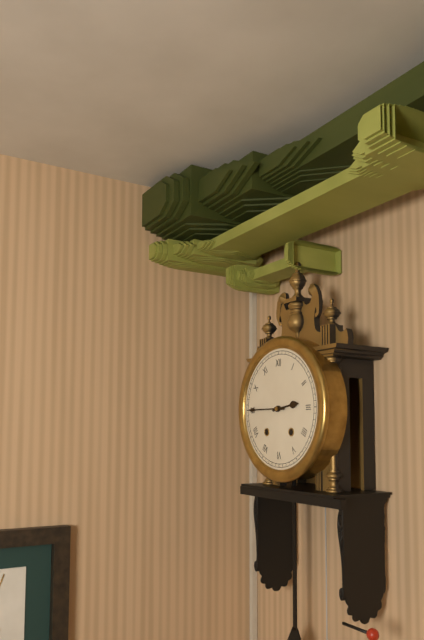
2 h 45 min
